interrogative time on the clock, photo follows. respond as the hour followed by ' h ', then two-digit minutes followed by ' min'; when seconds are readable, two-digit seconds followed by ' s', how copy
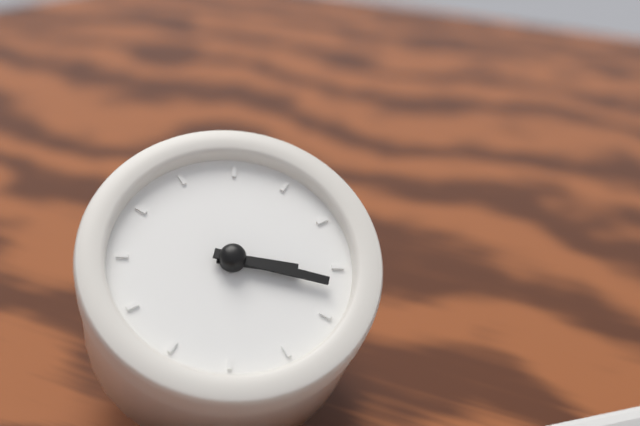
2 h 12 min
